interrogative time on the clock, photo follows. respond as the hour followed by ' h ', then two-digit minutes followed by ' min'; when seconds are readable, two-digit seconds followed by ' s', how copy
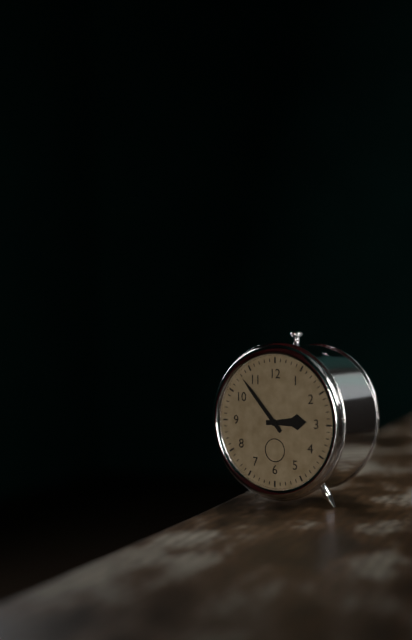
2 h 53 min
